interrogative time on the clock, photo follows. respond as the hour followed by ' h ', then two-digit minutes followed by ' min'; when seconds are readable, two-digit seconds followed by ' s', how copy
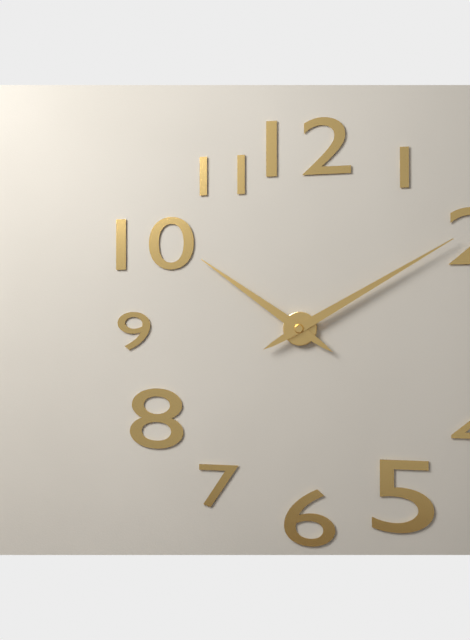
10 h 10 min
